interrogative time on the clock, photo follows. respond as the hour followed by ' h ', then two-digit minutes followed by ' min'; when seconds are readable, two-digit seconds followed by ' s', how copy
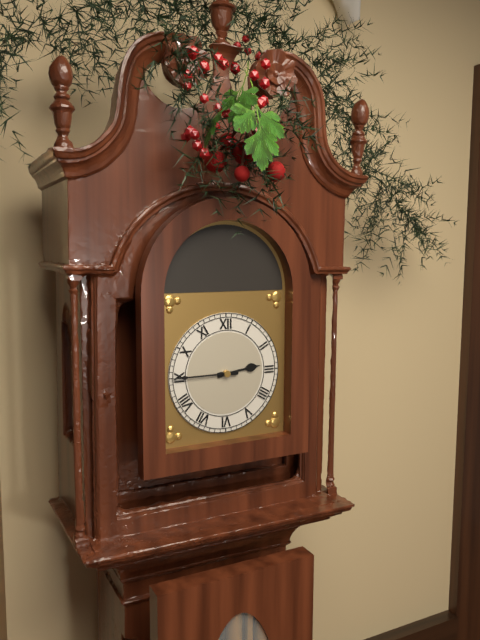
2 h 45 min
